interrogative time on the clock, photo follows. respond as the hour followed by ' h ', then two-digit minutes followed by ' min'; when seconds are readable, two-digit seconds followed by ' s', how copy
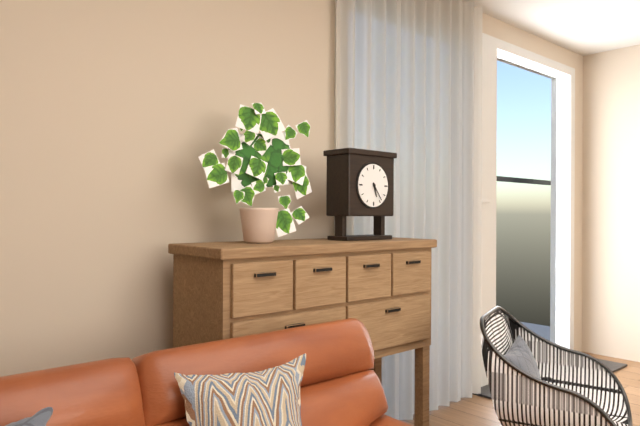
5 h 24 min
